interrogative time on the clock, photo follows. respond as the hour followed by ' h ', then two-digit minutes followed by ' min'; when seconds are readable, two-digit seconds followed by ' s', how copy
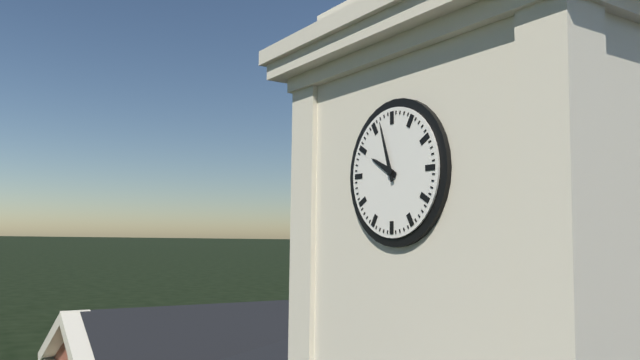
9 h 57 min
